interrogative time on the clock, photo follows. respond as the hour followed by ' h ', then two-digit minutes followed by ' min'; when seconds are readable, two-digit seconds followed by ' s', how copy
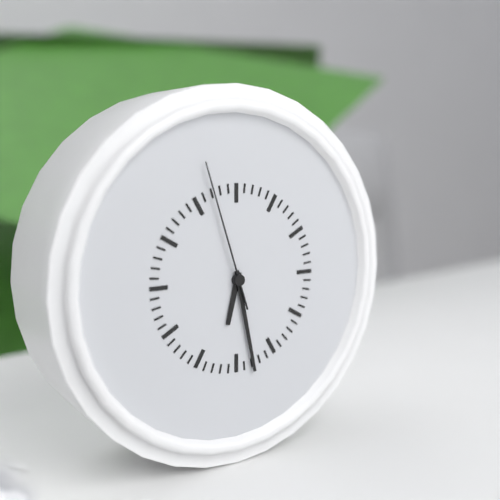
6 h 28 min 57 s
